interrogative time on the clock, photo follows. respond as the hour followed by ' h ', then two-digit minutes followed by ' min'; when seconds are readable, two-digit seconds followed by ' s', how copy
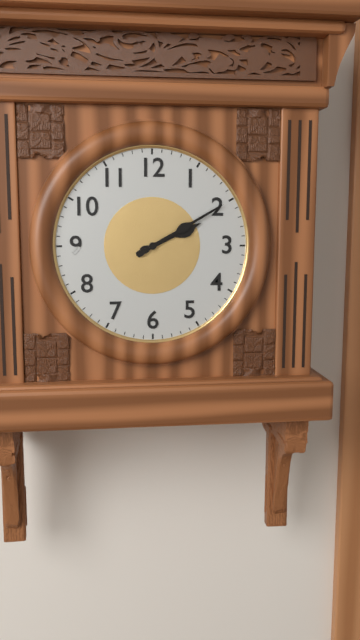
2 h 10 min
